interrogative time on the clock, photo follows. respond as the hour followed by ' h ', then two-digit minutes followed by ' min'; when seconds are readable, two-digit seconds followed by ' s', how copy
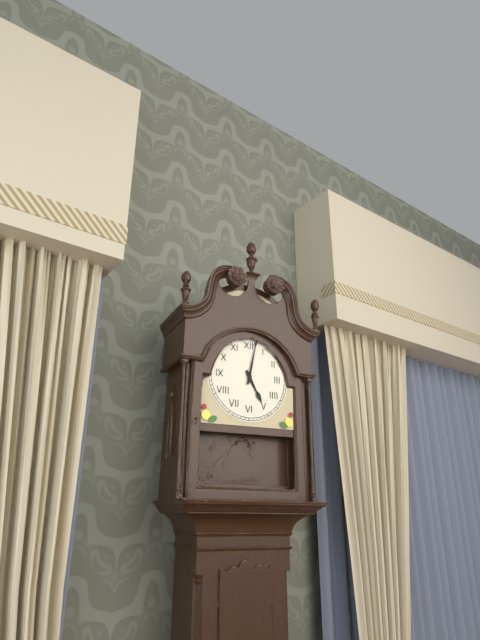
5 h 02 min
